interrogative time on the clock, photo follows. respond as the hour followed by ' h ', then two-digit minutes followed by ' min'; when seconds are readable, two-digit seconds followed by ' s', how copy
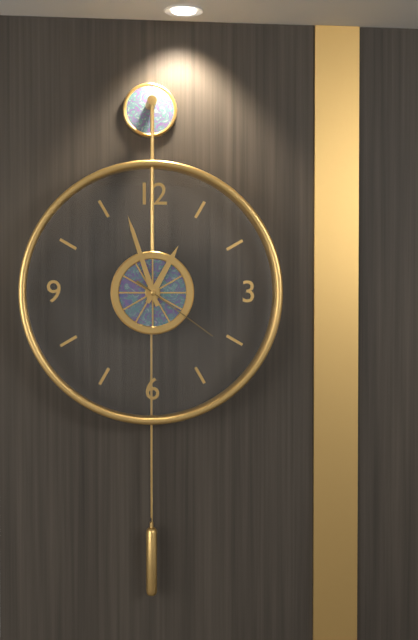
12 h 57 min 21 s
